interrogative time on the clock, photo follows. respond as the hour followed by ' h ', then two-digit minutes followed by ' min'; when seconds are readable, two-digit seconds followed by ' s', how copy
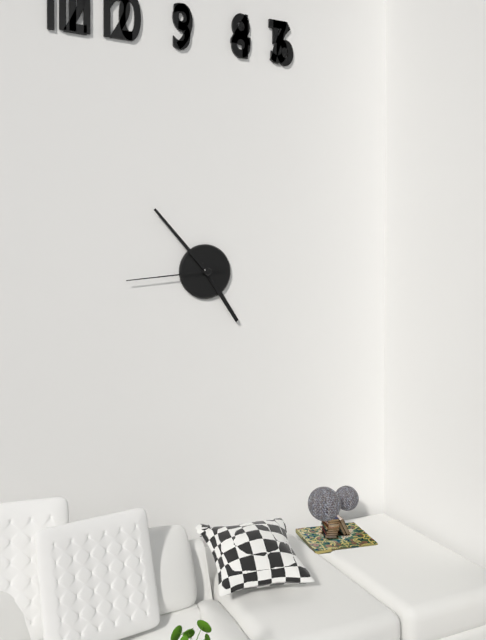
4 h 53 min 44 s
